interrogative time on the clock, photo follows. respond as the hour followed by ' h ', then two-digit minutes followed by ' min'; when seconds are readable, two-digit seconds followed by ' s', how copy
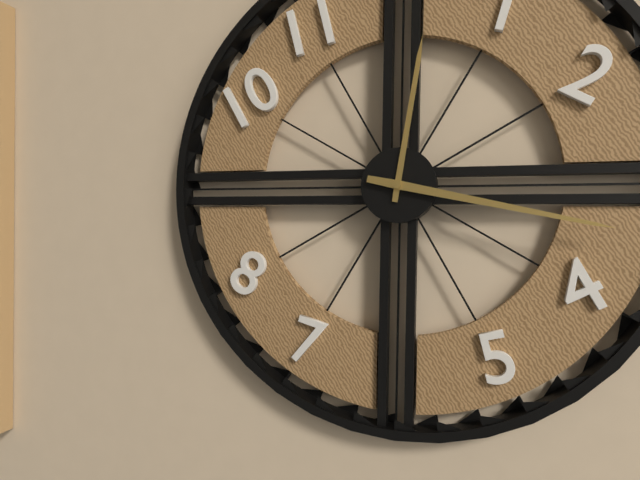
12 h 17 min
